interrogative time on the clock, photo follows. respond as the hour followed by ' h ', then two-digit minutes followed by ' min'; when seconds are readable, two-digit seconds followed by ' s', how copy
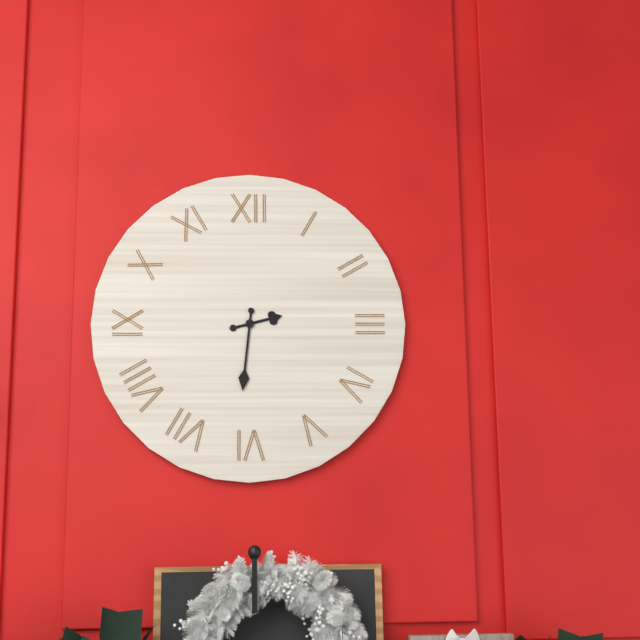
2 h 31 min
